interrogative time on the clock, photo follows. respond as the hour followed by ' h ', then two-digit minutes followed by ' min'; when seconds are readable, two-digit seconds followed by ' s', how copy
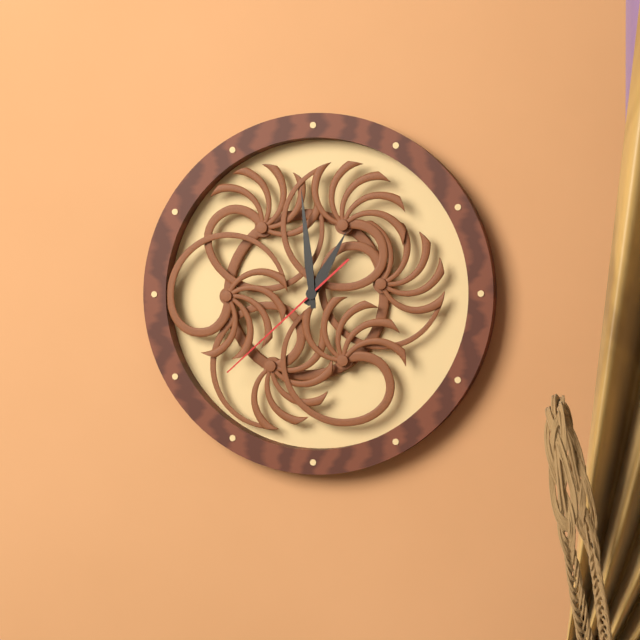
12 h 59 min 38 s
